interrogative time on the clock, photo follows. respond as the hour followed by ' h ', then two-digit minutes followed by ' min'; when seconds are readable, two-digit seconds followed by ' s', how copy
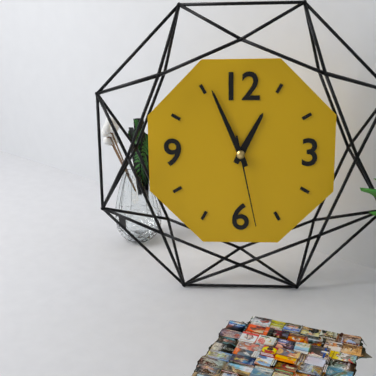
12 h 56 min 28 s
